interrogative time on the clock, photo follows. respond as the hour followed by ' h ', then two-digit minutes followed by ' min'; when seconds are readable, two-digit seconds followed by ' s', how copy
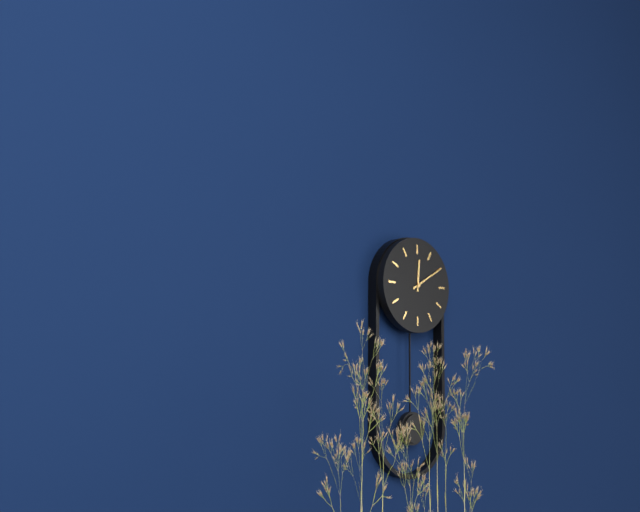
12 h 10 min
